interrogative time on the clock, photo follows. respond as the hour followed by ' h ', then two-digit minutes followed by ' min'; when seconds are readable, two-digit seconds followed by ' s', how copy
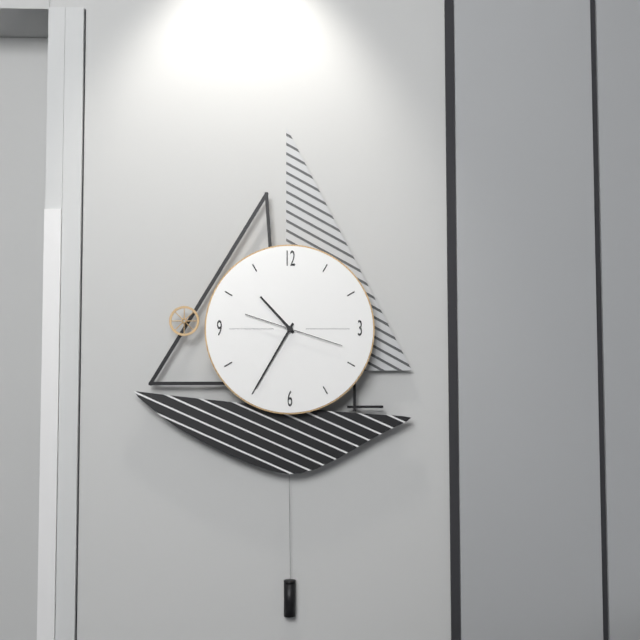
10 h 35 min 18 s
